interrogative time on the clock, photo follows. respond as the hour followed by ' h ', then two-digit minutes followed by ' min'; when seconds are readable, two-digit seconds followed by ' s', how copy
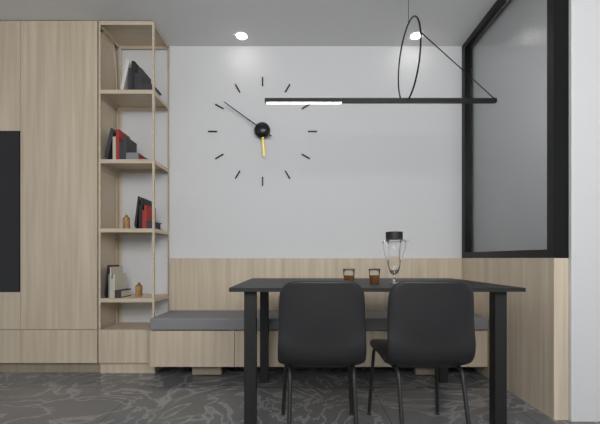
5 h 51 min
